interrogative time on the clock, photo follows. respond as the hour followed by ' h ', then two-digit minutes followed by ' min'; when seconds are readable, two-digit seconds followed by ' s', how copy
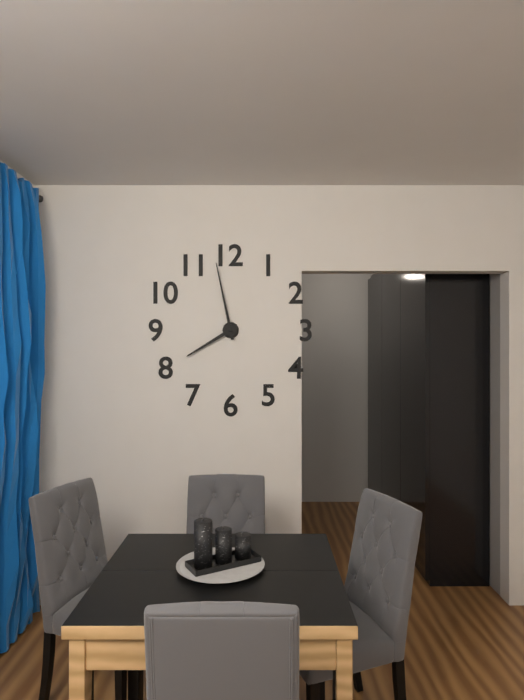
7 h 58 min
